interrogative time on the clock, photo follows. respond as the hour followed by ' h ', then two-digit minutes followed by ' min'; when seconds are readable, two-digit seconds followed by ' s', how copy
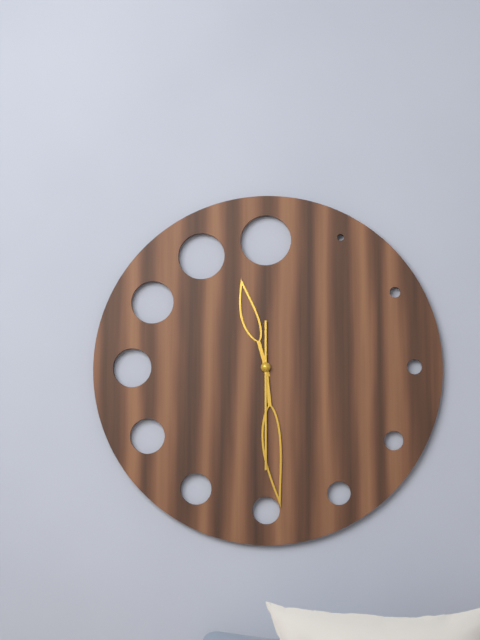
11 h 29 min 30 s
